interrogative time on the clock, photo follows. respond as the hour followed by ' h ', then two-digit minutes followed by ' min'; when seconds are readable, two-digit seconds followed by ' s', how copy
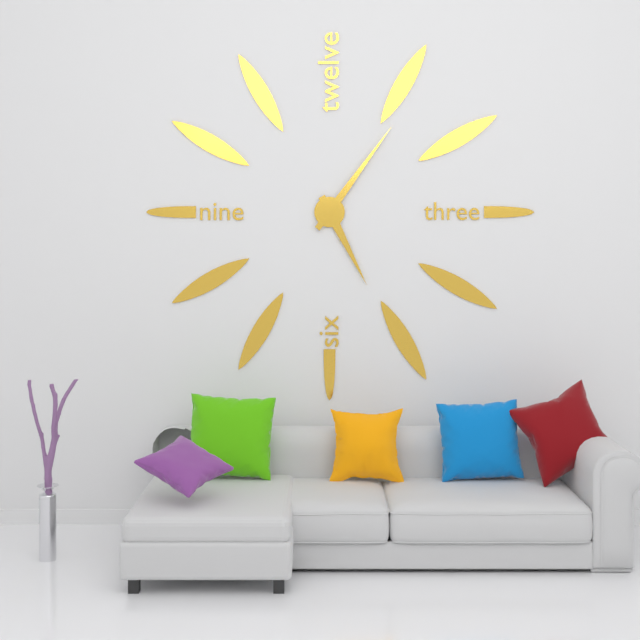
5 h 06 min
